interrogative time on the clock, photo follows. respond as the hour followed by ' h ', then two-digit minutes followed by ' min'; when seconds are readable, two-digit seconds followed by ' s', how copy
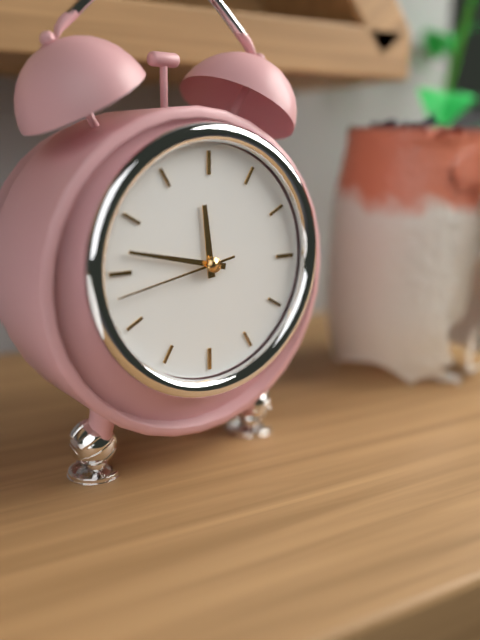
11 h 47 min 43 s
